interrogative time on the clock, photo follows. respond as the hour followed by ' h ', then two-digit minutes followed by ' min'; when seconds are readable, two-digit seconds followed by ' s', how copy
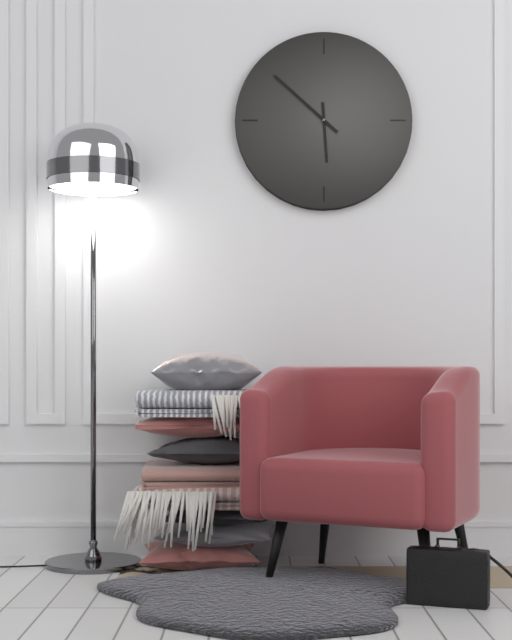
5 h 52 min
